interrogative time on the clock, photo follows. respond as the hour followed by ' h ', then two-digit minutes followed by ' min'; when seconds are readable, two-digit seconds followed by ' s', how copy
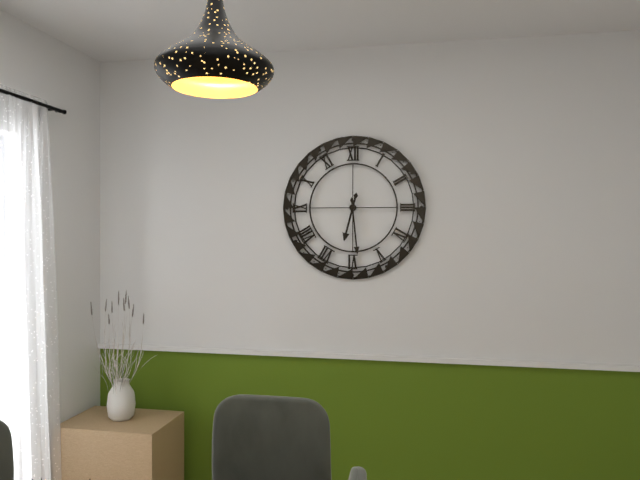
6 h 29 min
